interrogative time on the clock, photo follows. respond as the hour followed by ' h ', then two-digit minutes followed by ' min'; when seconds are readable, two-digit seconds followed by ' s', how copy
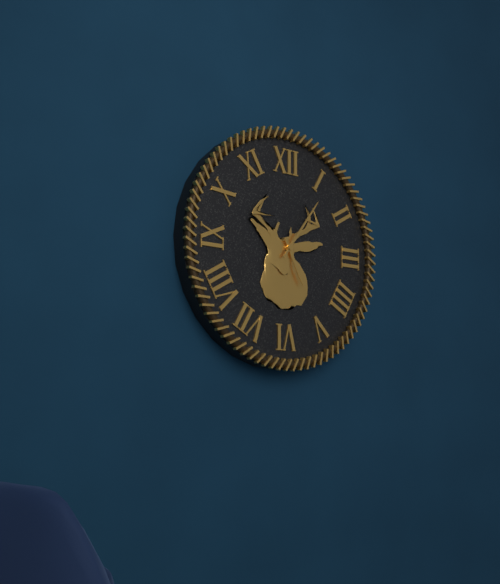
5 h 06 min
